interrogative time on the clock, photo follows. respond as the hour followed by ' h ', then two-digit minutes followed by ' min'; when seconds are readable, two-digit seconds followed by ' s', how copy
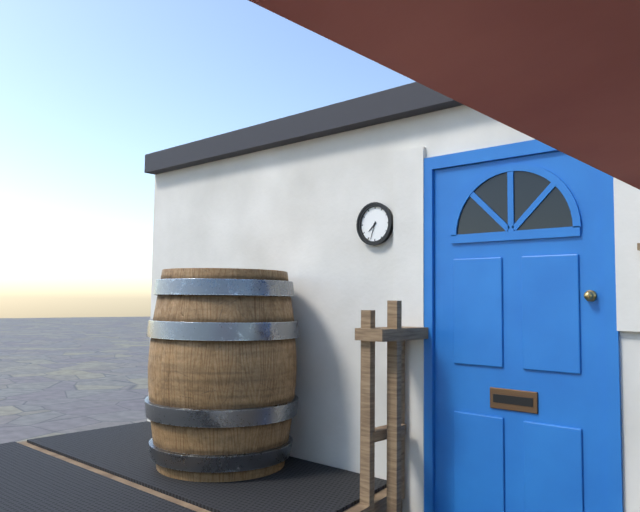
7 h 33 min
